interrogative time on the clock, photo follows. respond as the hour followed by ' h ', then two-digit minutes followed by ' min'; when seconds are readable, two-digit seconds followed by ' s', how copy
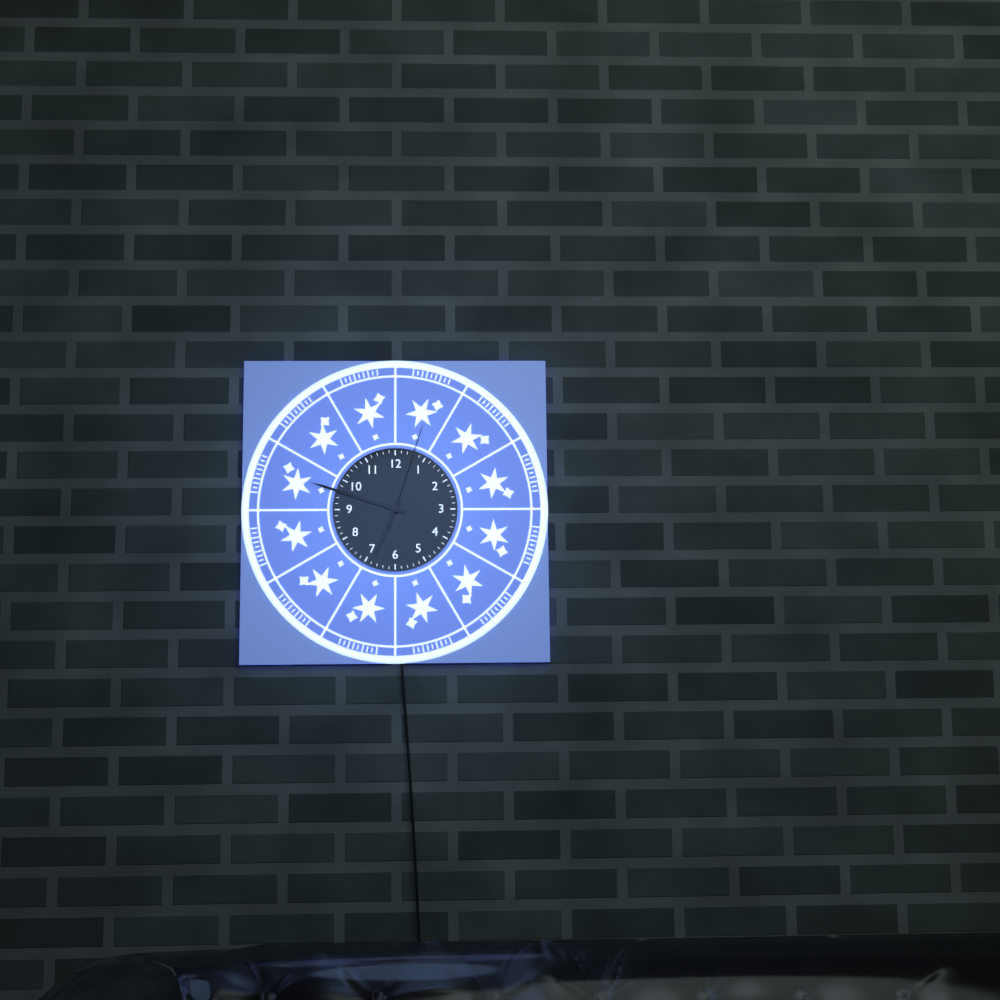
6 h 48 min 03 s
